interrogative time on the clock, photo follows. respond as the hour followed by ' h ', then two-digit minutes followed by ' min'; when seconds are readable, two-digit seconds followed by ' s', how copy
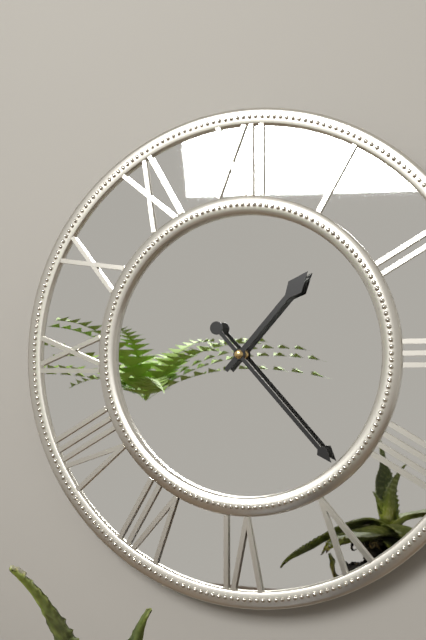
1 h 23 min
